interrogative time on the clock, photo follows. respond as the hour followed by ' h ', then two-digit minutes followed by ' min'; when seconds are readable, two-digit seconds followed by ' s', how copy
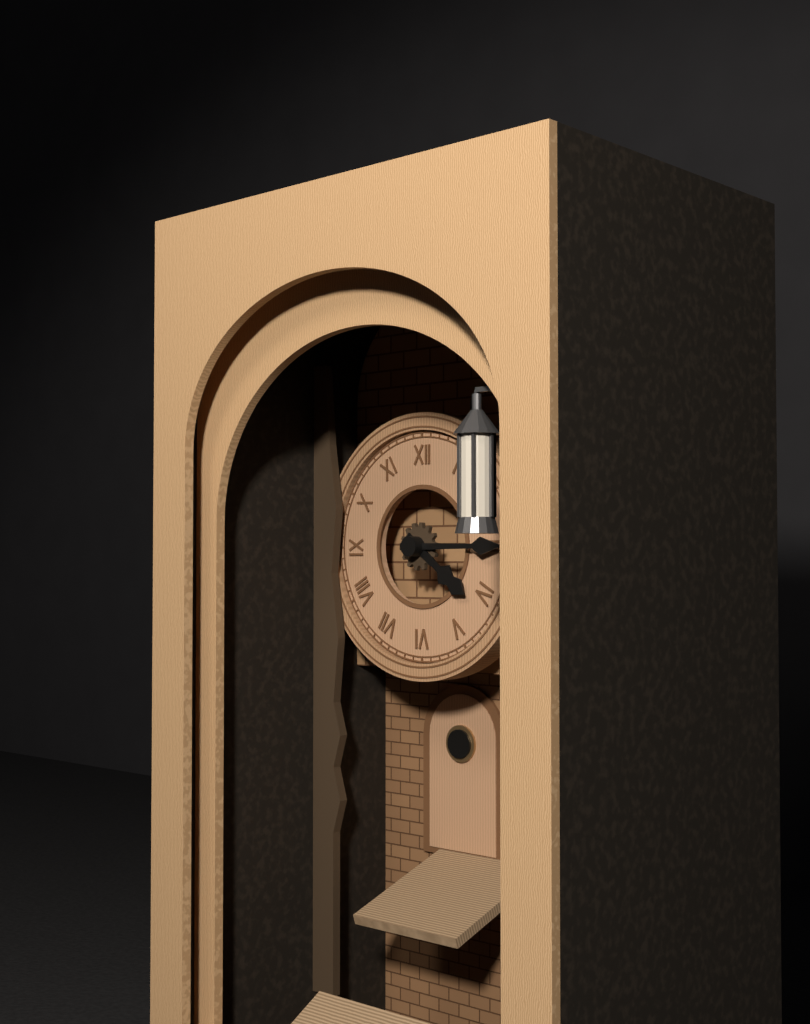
4 h 15 min
